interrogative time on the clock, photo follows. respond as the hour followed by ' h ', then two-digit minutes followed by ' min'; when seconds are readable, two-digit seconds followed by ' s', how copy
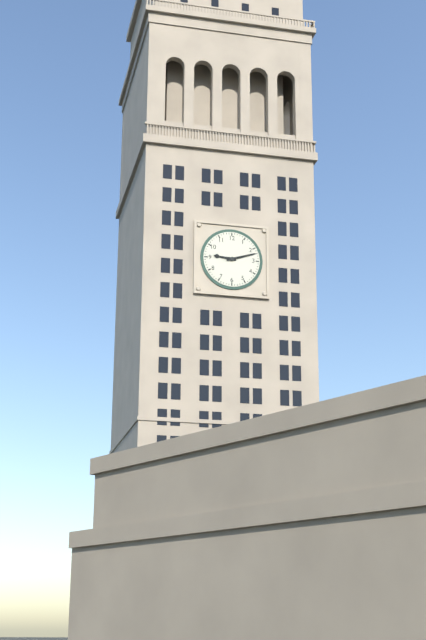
9 h 12 min
